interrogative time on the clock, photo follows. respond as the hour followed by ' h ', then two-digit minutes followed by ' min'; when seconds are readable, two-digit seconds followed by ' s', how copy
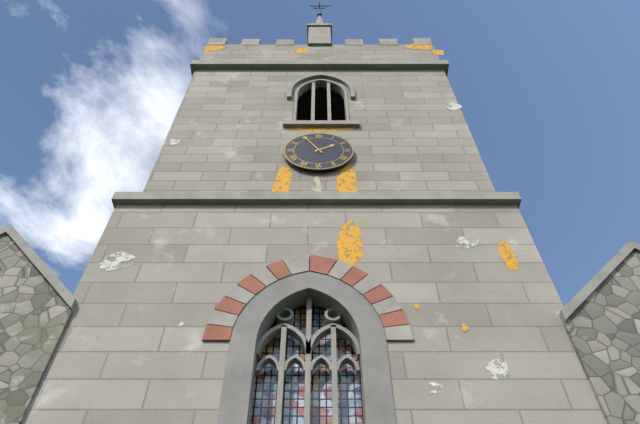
1 h 55 min
